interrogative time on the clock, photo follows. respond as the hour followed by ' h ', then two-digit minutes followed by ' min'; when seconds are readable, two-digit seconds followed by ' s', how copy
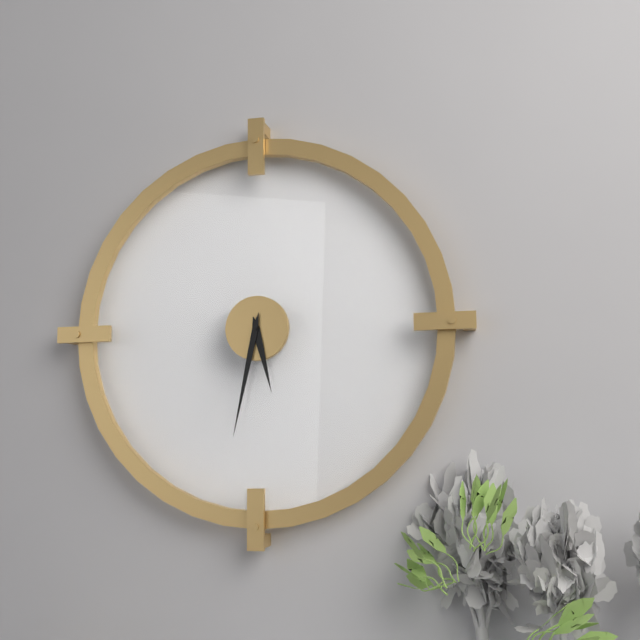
5 h 32 min
